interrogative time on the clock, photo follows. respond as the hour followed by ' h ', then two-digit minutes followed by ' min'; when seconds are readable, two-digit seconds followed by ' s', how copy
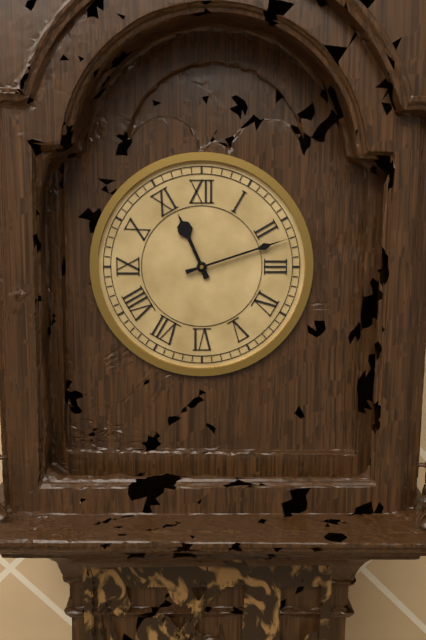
11 h 12 min
